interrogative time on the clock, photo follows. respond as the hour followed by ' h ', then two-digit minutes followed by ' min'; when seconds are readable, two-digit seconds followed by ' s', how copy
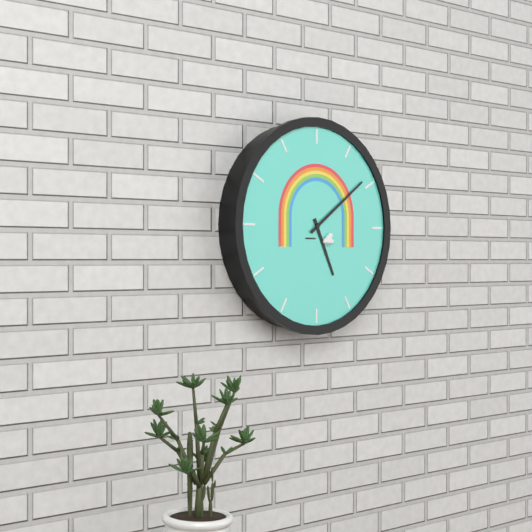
5 h 09 min
